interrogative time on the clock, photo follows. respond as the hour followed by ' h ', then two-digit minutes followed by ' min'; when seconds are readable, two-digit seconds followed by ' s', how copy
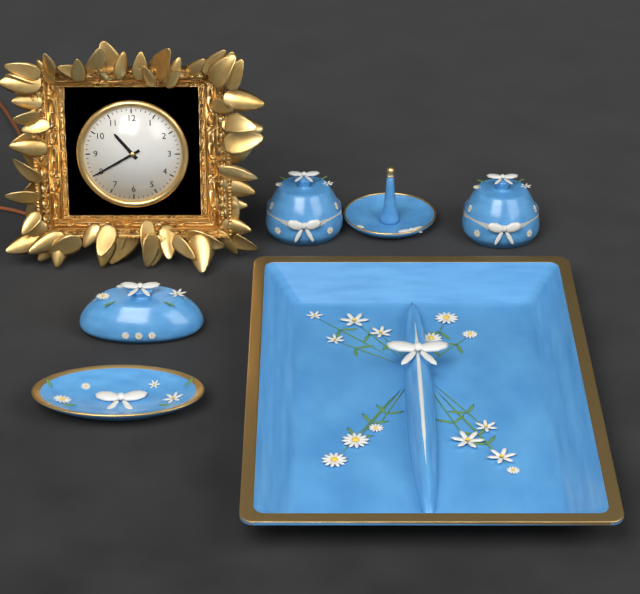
10 h 40 min
